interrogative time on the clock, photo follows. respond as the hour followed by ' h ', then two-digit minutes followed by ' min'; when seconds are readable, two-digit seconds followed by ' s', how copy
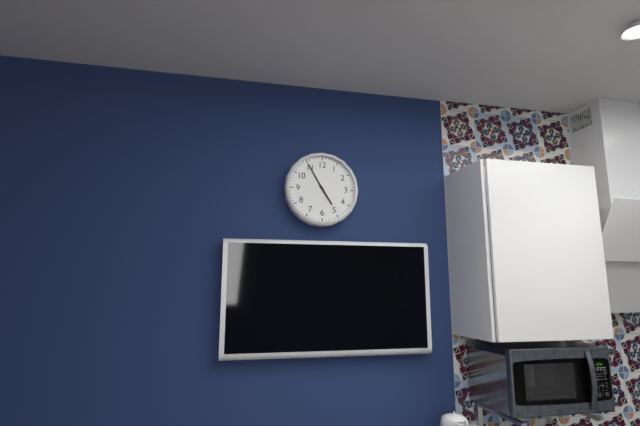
4 h 55 min
